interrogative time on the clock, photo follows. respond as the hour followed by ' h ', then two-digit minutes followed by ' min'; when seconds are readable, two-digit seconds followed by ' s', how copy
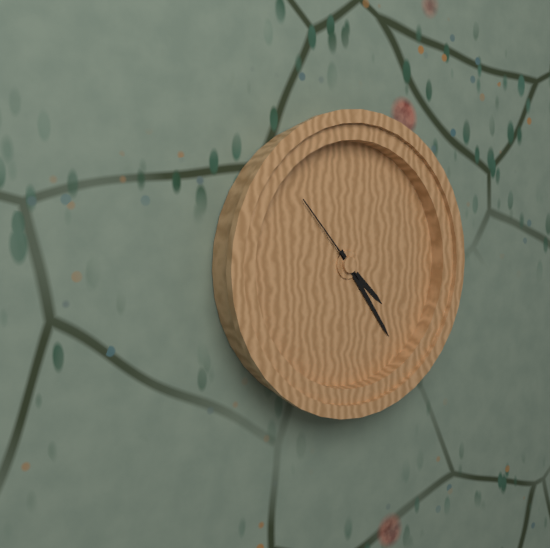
4 h 24 min 53 s
